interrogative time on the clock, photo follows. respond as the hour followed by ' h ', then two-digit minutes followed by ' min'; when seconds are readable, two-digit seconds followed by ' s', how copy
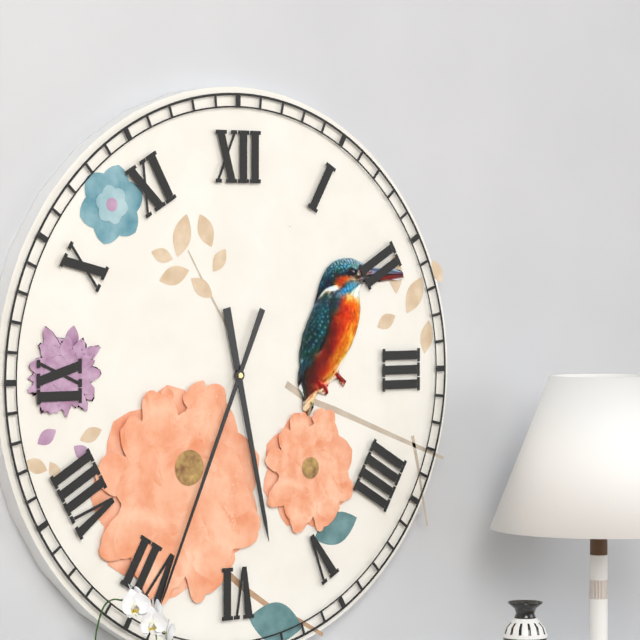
5 h 34 min
